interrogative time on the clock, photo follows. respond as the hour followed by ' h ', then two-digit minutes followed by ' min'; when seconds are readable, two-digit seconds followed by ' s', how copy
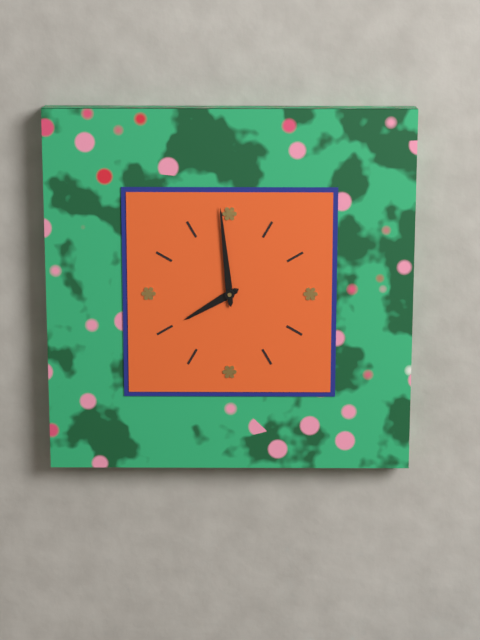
7 h 59 min
